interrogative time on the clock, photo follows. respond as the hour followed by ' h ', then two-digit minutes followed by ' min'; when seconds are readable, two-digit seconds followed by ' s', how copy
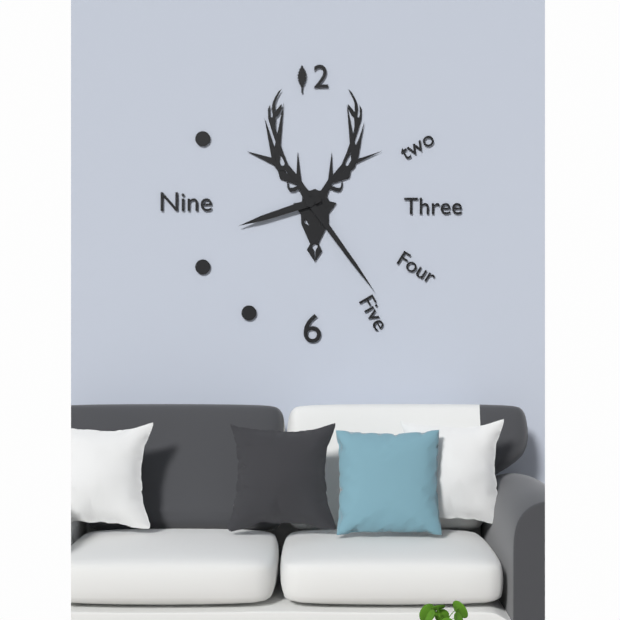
8 h 24 min
